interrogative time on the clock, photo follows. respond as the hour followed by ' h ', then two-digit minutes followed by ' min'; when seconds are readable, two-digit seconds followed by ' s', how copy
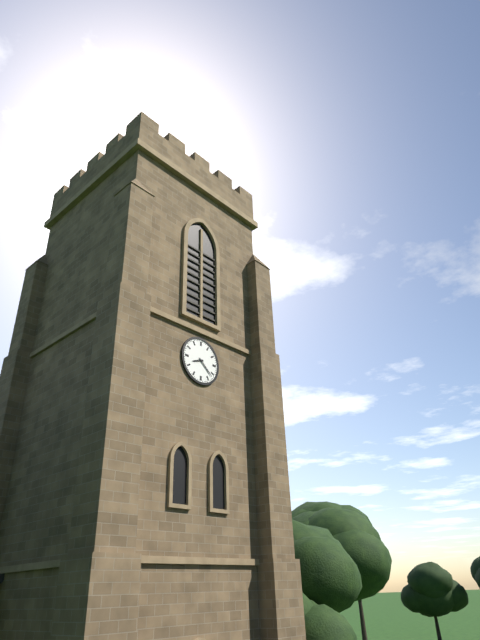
8 h 22 min
